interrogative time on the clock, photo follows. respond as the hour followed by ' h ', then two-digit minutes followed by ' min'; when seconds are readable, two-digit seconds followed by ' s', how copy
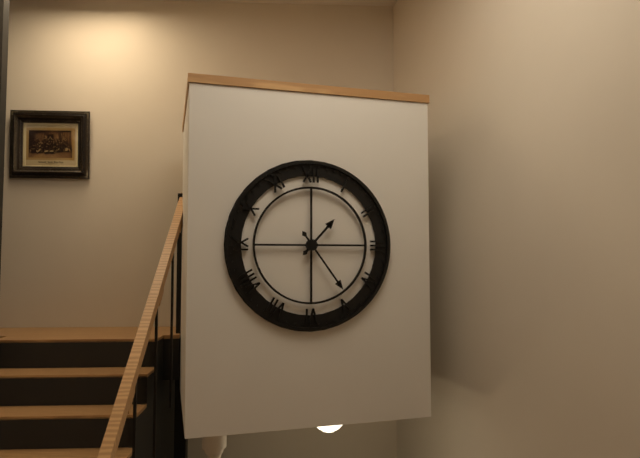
1 h 24 min
